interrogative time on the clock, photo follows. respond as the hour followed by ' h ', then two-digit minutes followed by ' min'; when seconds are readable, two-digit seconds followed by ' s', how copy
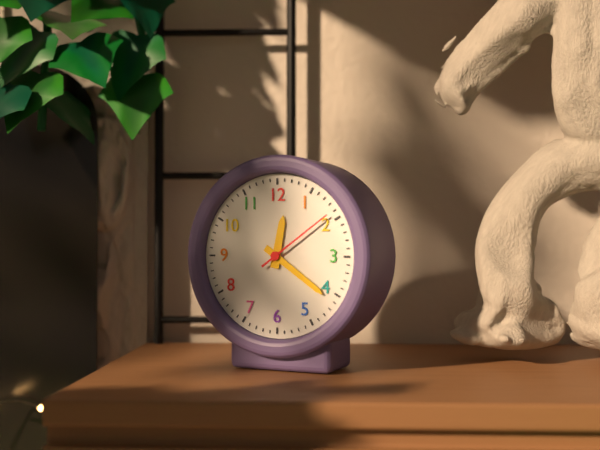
12 h 21 min 09 s
